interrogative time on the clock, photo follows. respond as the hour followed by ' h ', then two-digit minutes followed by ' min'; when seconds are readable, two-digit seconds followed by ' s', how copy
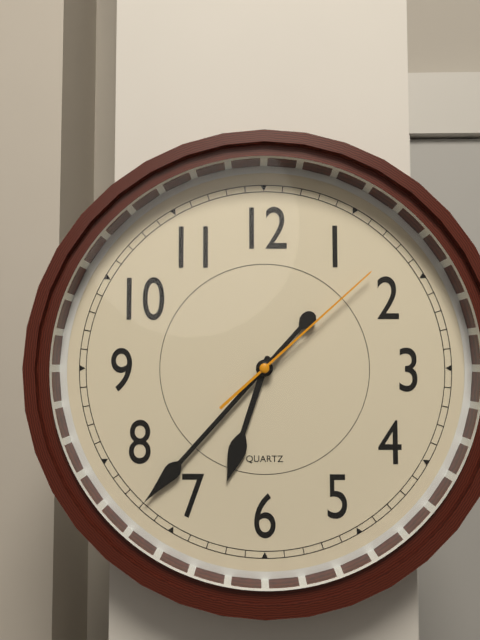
6 h 37 min 08 s
